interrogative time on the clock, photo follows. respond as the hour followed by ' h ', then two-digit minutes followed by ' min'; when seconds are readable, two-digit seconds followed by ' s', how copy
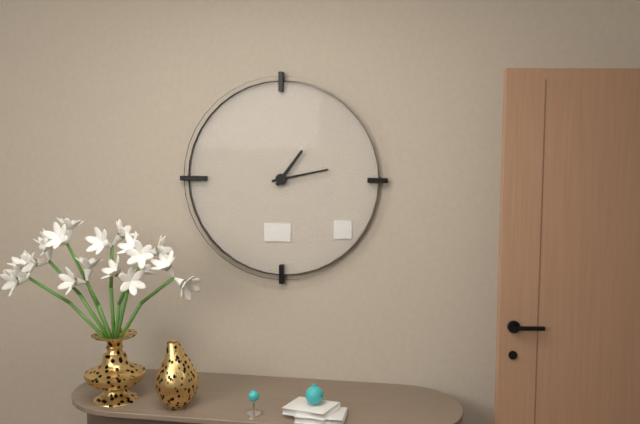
1 h 13 min
